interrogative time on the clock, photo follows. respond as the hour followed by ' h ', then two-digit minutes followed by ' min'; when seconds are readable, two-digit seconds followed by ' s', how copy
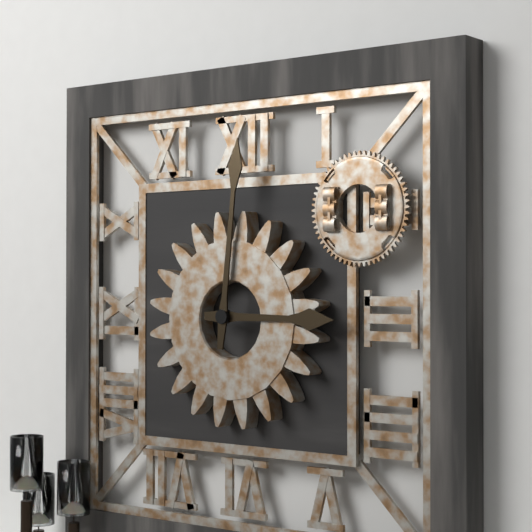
3 h 01 min
